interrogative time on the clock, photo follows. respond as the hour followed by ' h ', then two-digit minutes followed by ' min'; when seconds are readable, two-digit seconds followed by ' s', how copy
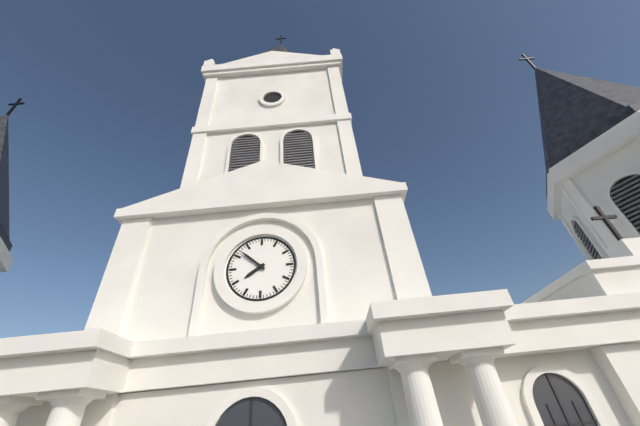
7 h 52 min
